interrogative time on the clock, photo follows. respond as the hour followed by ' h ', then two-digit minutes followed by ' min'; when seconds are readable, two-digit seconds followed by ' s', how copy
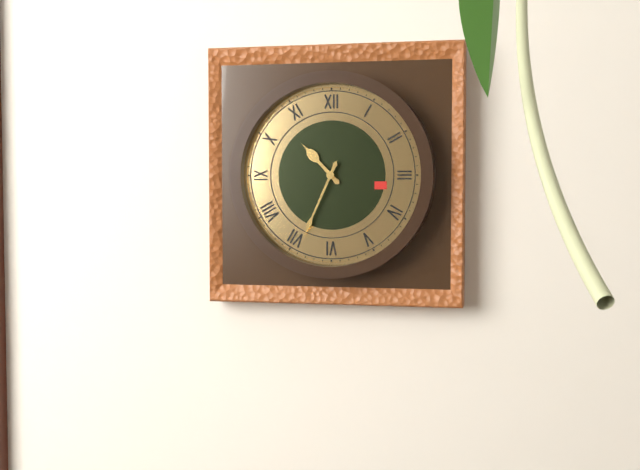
10 h 34 min
